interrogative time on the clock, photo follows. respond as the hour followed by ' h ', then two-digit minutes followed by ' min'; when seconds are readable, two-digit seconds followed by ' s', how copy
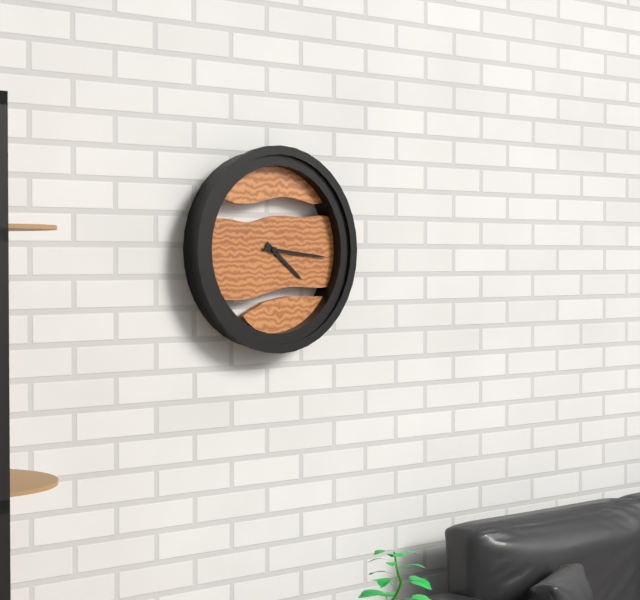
4 h 16 min
